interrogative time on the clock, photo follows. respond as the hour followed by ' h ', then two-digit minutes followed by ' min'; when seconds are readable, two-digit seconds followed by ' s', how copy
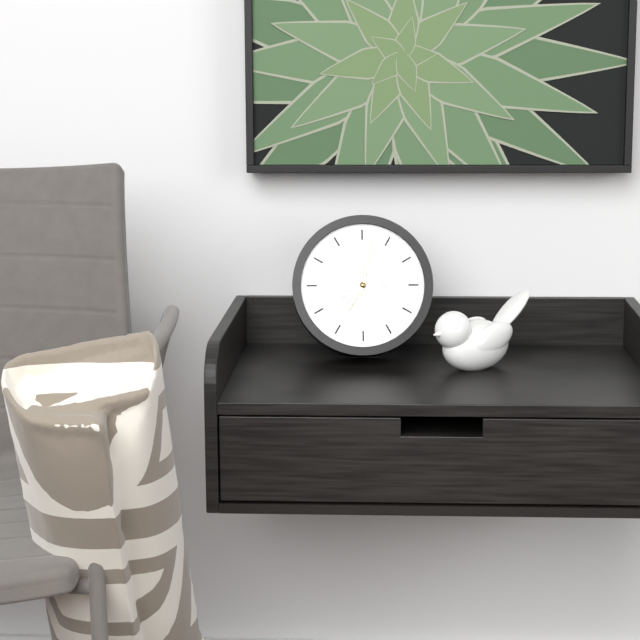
7 h 02 min
